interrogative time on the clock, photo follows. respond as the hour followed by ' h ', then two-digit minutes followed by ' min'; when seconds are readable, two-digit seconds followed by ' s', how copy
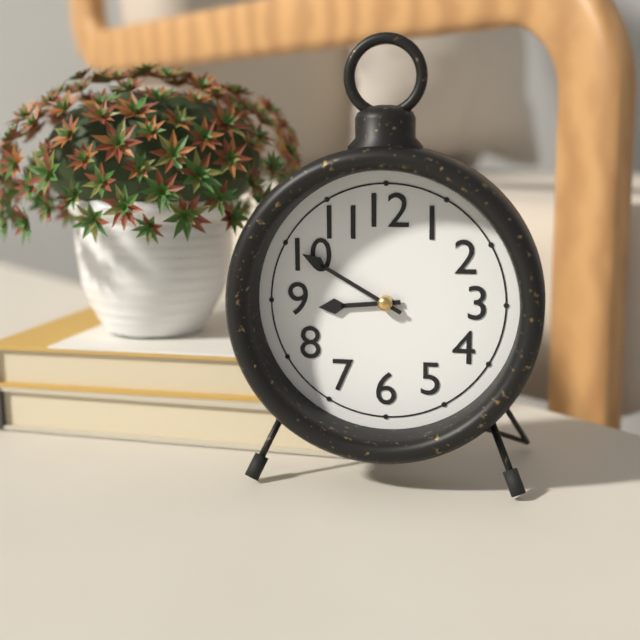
8 h 50 min
